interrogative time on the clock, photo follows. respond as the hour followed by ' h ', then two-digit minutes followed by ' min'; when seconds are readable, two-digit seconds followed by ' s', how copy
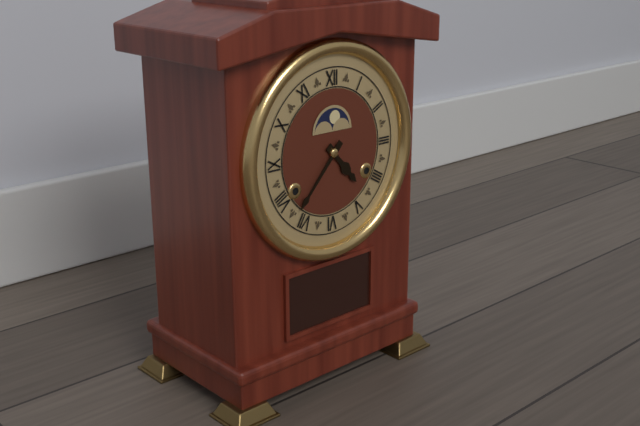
4 h 37 min
